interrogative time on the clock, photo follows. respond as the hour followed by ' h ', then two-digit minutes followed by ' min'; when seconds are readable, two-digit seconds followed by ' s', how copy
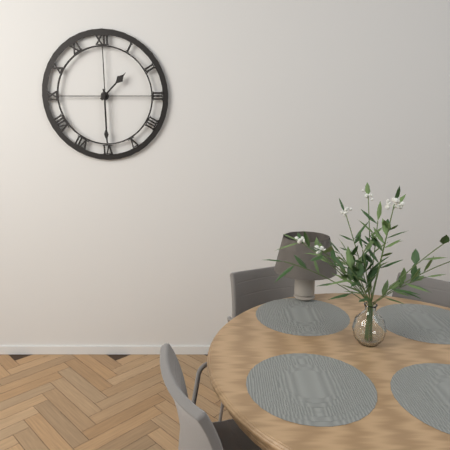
1 h 30 min
